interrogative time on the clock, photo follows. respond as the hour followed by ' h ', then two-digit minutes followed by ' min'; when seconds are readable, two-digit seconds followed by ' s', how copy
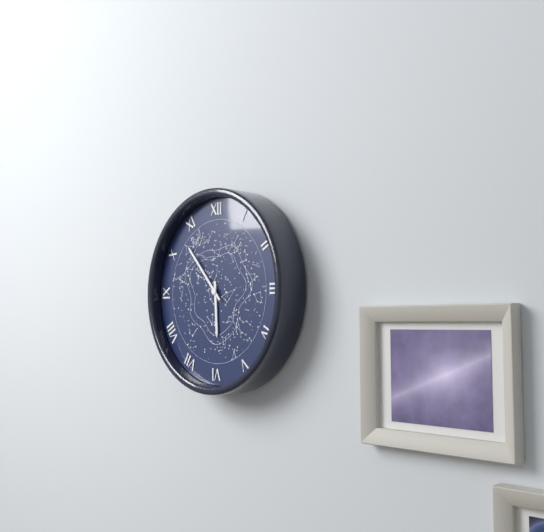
5 h 53 min
